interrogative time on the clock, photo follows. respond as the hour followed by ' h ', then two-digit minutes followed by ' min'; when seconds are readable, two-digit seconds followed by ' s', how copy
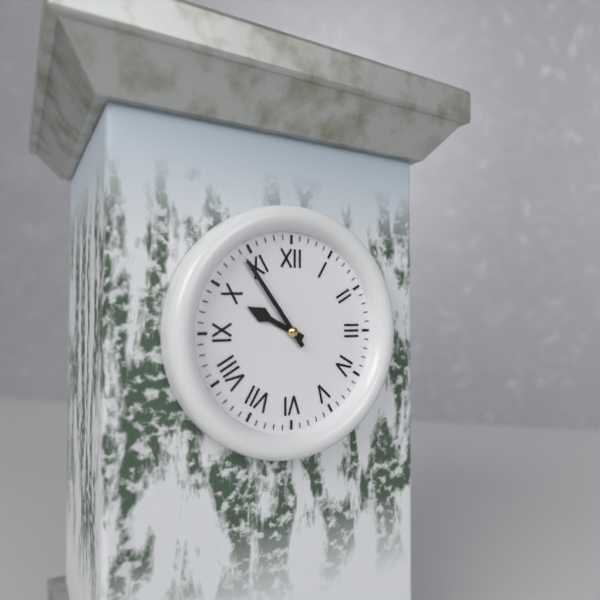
9 h 54 min
